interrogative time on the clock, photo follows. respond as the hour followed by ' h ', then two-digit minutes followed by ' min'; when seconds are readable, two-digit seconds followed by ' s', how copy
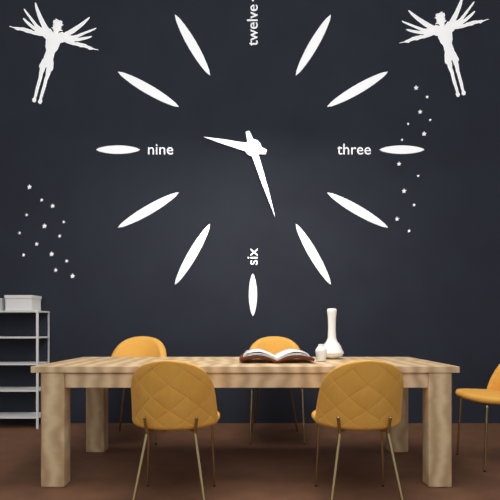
9 h 27 min
